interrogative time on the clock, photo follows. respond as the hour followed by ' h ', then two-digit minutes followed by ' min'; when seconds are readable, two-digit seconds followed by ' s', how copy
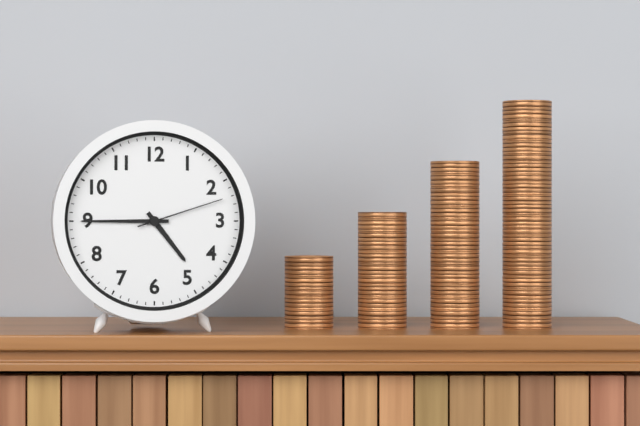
4 h 45 min 12 s
